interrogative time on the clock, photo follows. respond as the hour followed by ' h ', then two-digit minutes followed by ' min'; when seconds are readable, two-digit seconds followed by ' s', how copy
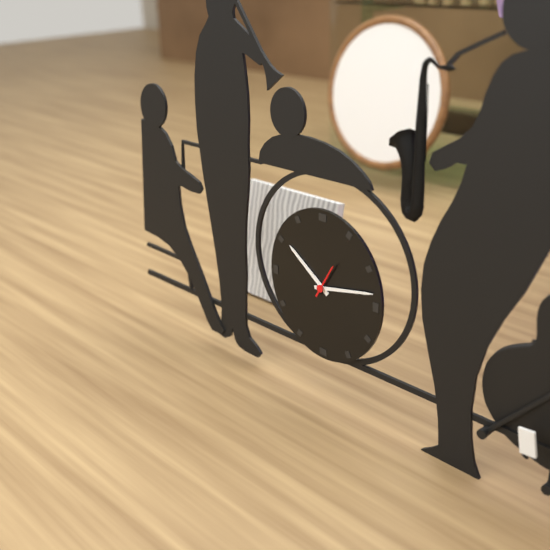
10 h 13 min
